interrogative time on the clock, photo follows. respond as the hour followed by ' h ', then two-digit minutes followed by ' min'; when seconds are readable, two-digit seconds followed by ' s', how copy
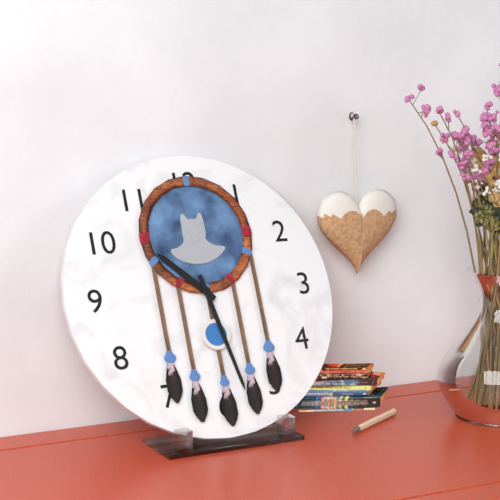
10 h 28 min
